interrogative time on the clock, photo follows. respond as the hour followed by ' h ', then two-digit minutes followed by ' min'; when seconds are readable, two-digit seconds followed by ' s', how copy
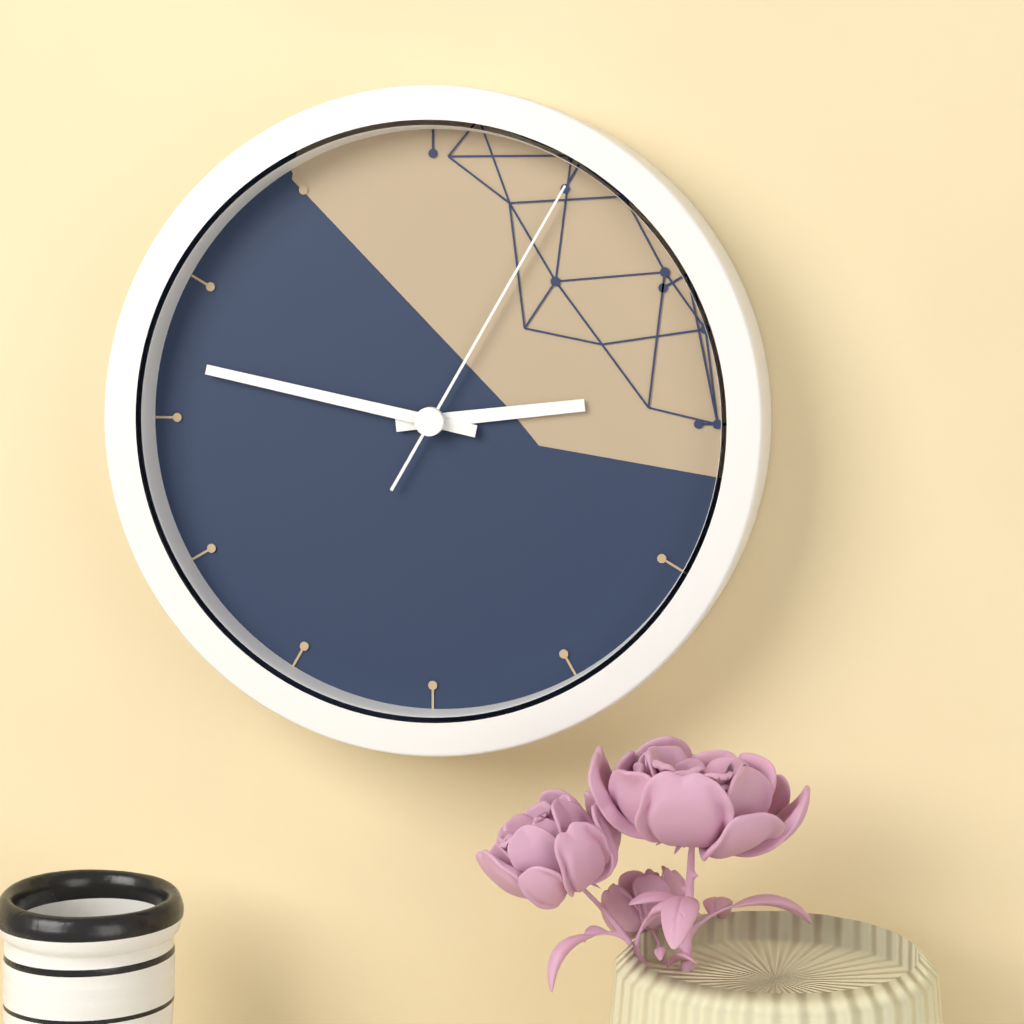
2 h 47 min 05 s
